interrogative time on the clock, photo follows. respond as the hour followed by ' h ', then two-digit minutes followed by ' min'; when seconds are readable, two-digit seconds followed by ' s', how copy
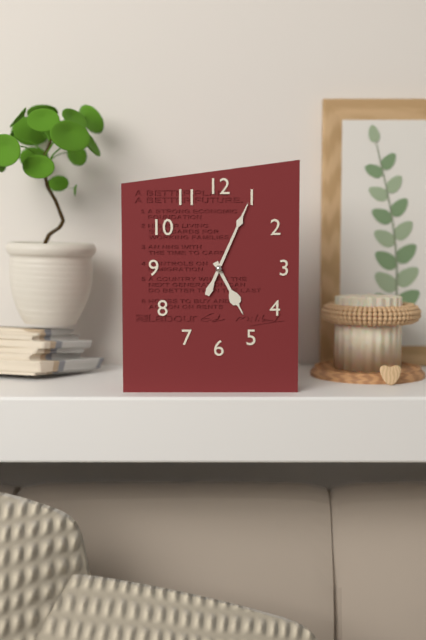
5 h 04 min
